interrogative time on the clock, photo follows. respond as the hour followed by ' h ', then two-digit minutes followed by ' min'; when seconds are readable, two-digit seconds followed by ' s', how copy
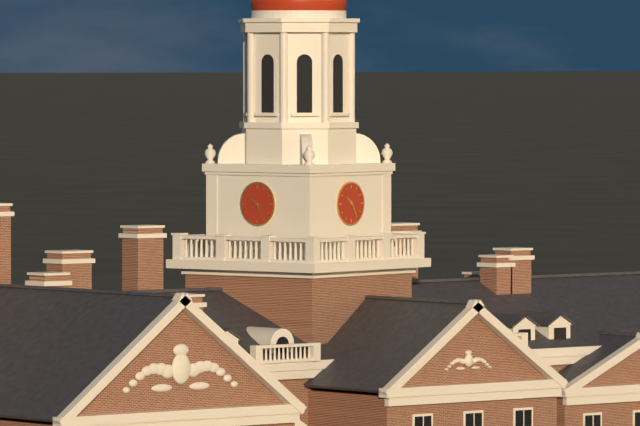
10 h 25 min
